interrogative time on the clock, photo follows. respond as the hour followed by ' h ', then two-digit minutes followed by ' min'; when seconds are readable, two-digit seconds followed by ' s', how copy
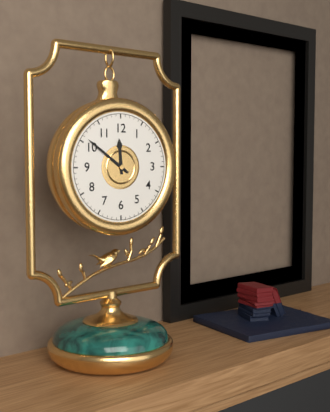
11 h 51 min
